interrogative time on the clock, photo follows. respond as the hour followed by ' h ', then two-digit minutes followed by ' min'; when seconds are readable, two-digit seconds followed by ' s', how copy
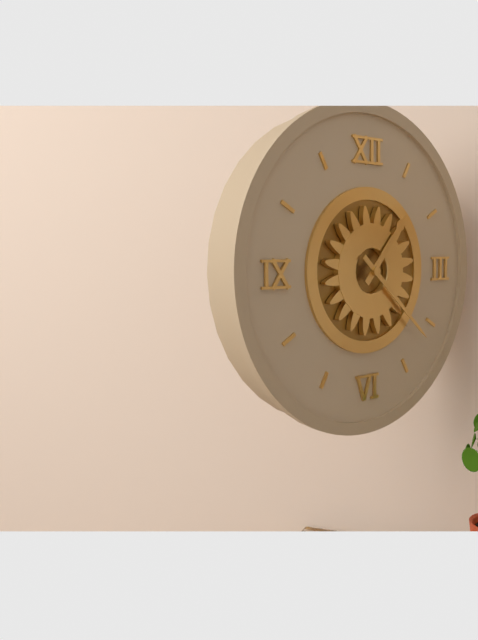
1 h 22 min
